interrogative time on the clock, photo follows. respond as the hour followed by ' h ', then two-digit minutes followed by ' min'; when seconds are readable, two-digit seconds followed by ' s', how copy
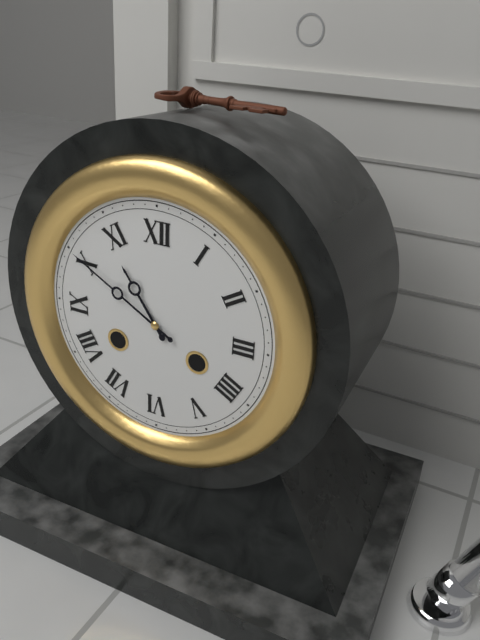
10 h 50 min
